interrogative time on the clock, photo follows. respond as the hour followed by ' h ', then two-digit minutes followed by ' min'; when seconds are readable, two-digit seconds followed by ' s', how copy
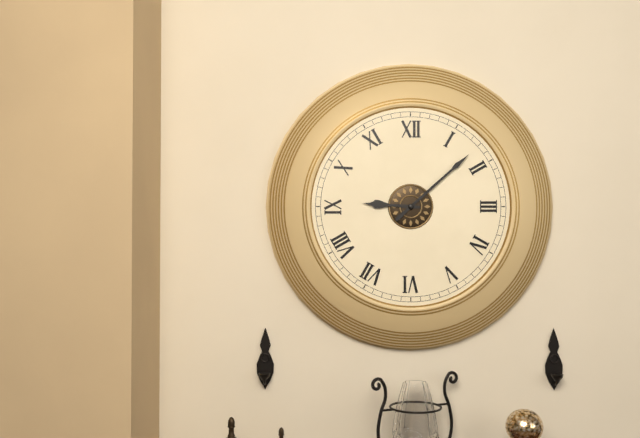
9 h 08 min
